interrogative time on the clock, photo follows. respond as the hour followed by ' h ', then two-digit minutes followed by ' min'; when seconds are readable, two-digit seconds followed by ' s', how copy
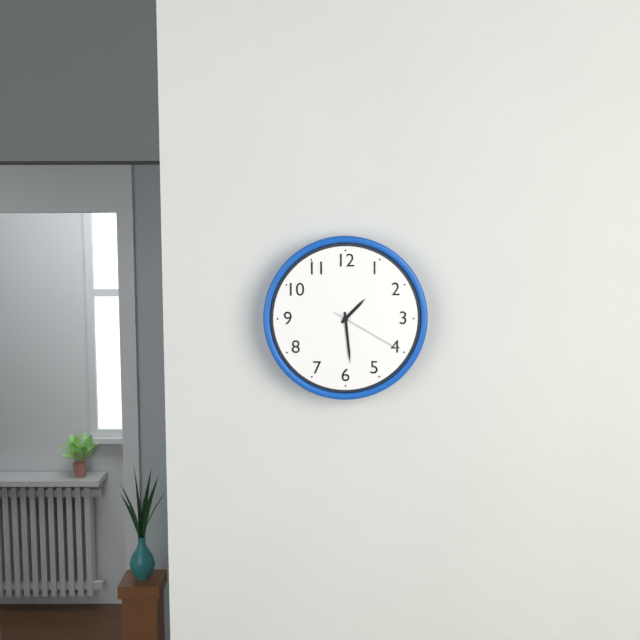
1 h 29 min 20 s
